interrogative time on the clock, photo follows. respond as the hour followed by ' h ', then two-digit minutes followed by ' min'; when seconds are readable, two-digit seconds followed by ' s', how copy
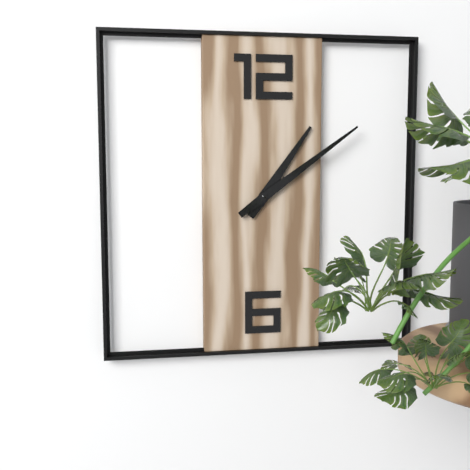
1 h 09 min
